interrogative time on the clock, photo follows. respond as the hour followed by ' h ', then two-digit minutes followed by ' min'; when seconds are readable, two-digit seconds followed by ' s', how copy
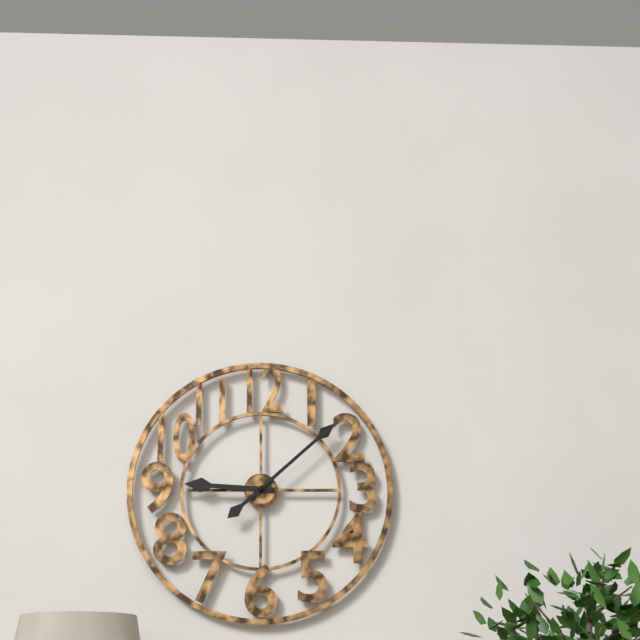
9 h 08 min
